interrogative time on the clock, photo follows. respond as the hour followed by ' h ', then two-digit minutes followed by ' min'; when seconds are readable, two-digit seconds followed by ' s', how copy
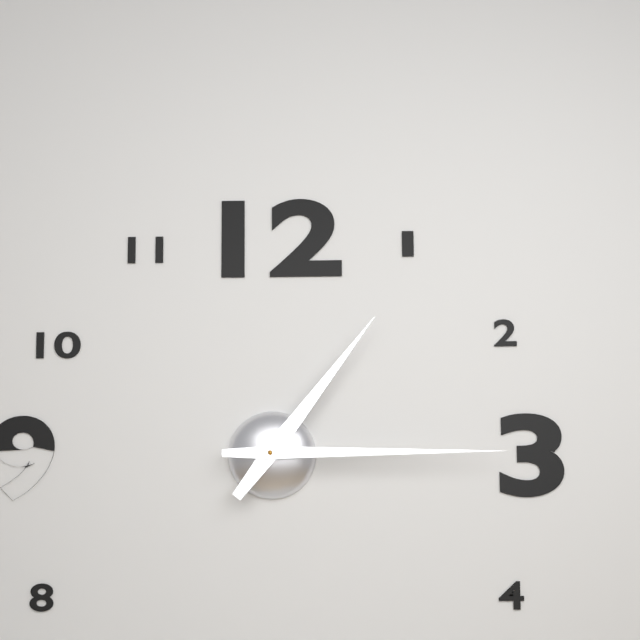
1 h 15 min
